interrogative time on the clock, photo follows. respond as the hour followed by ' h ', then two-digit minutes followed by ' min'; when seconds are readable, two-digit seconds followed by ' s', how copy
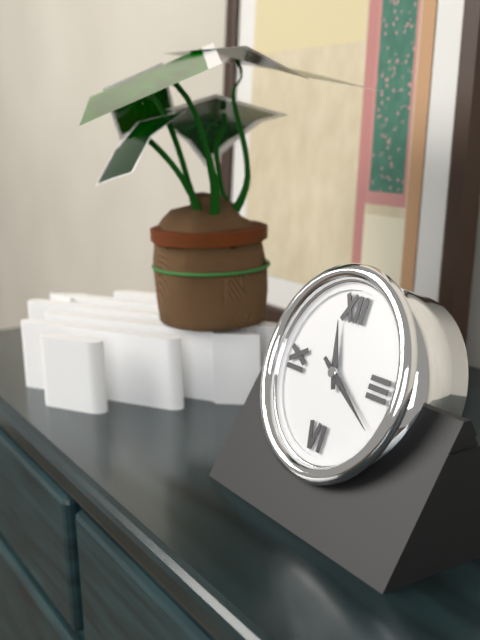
11 h 20 min
